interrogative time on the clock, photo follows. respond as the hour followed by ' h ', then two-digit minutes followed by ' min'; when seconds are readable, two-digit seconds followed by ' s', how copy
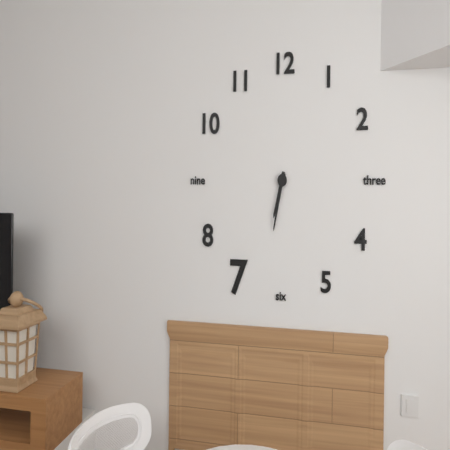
6 h 32 min
